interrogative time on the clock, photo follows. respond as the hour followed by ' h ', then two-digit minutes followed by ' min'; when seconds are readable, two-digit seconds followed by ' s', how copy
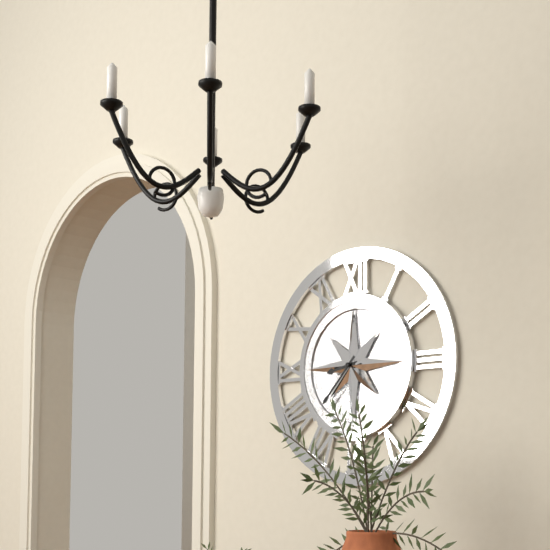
8 h 37 min
